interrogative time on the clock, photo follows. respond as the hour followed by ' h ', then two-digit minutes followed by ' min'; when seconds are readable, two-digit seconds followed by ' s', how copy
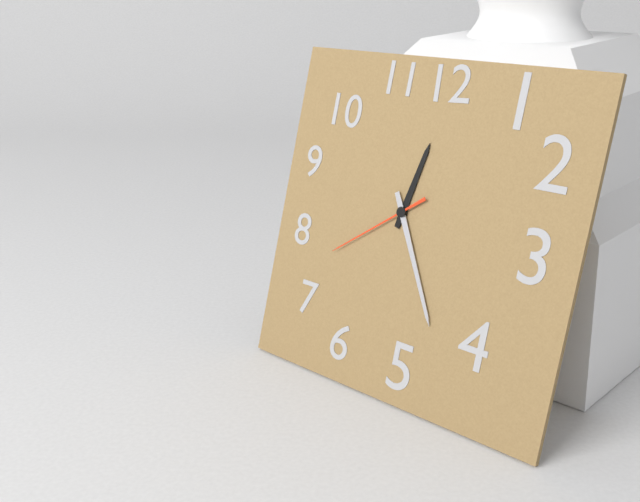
12 h 25 min 39 s
